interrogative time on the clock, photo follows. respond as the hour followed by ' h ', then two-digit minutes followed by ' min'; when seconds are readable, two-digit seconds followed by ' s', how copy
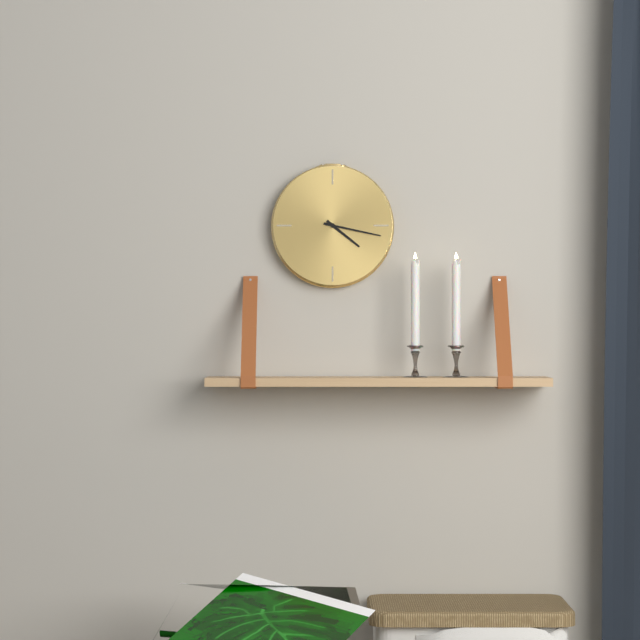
4 h 17 min
